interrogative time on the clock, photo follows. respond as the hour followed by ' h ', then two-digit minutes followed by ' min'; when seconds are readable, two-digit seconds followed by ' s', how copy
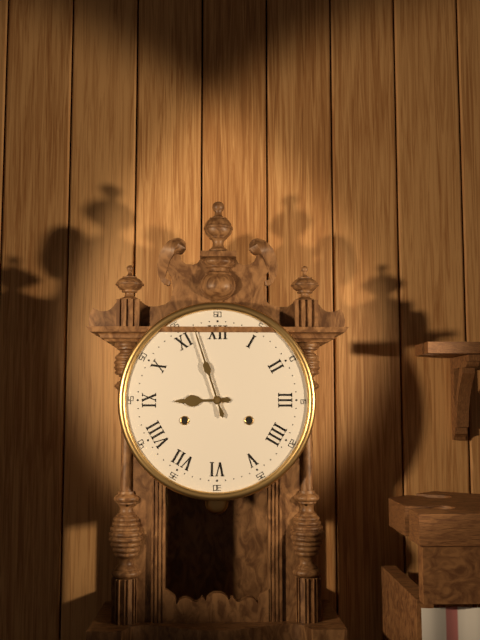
8 h 57 min
